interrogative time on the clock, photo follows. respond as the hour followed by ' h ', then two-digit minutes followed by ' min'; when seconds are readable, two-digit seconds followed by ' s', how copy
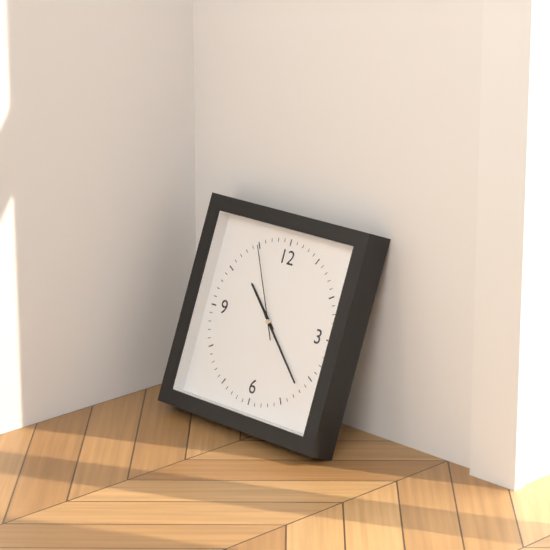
10 h 22 min 55 s
